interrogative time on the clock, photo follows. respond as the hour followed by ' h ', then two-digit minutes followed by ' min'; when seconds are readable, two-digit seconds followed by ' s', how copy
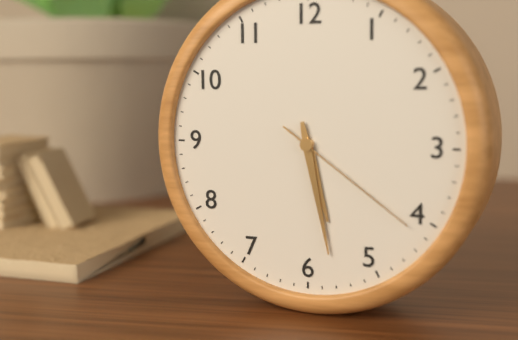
5 h 28 min 21 s
